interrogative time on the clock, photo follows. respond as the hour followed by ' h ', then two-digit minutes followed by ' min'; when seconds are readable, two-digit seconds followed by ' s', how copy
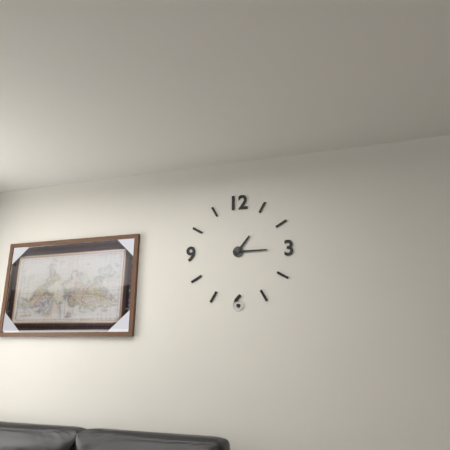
1 h 15 min
